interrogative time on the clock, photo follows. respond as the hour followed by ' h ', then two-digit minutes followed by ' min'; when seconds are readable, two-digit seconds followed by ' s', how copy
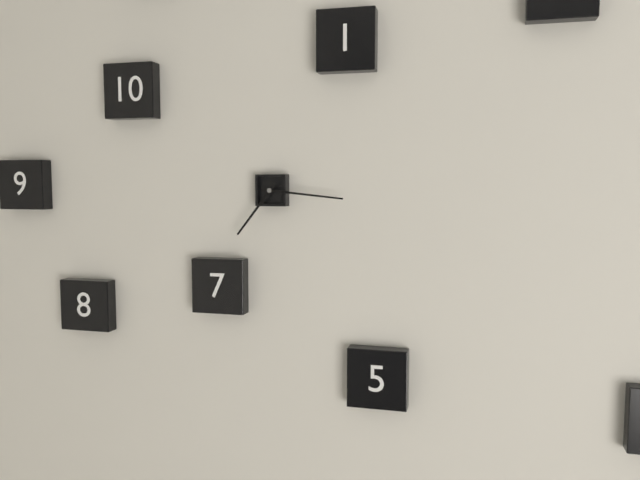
7 h 16 min
